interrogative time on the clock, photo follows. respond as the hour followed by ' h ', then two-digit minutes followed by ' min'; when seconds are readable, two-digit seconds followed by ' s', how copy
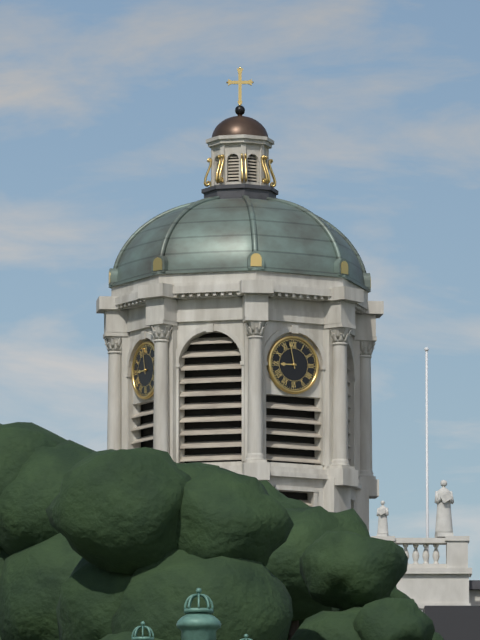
8 h 58 min
